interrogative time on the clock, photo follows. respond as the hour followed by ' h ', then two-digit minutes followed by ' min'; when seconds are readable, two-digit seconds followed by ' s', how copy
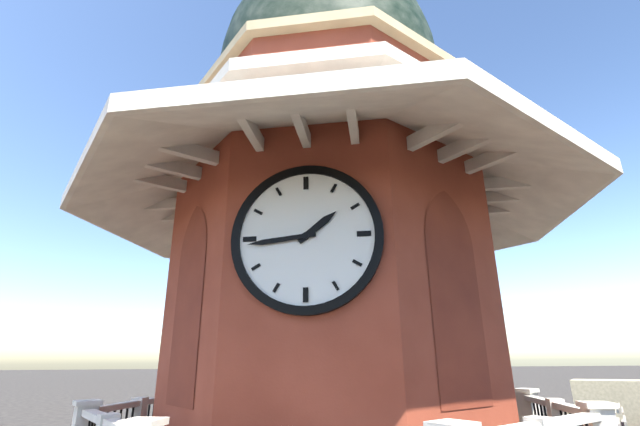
1 h 44 min
